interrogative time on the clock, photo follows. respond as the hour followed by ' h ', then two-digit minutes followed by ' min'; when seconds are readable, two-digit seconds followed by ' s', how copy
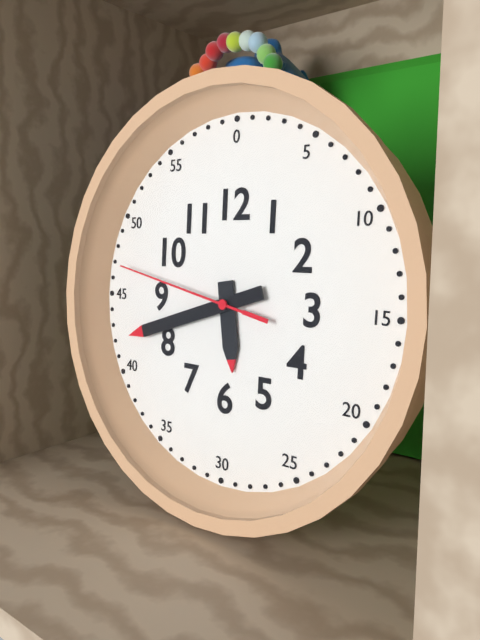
5 h 42 min 47 s
